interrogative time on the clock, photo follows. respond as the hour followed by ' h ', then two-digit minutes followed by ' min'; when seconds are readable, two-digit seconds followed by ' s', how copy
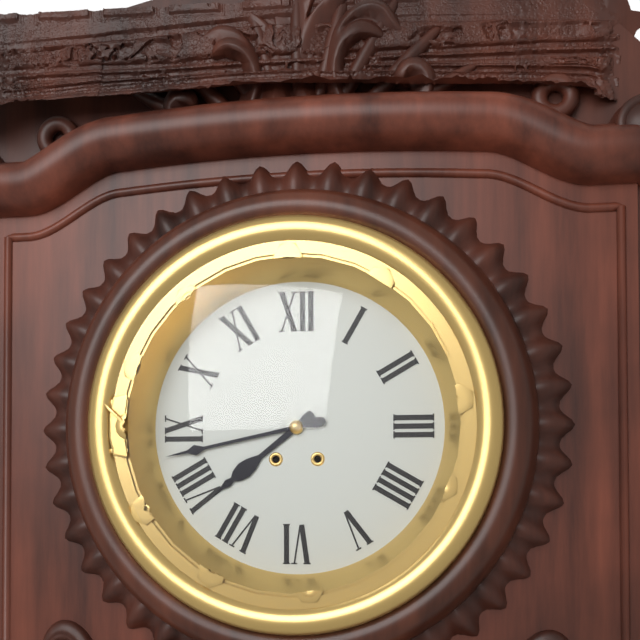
7 h 43 min
